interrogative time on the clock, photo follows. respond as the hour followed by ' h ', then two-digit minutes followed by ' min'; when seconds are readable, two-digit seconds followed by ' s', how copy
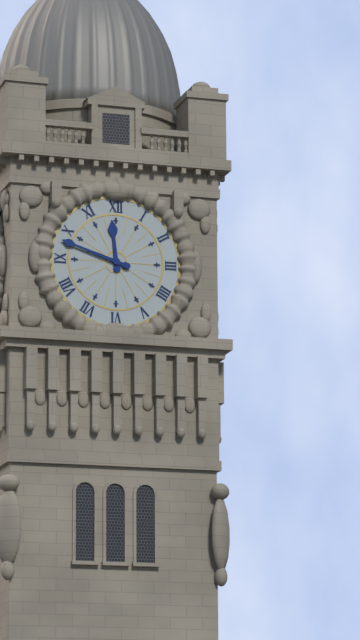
11 h 48 min
